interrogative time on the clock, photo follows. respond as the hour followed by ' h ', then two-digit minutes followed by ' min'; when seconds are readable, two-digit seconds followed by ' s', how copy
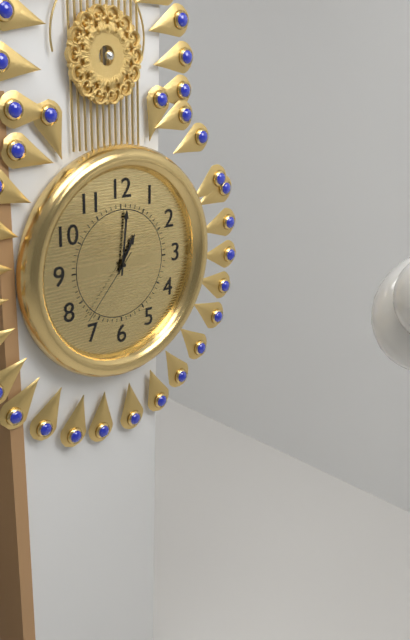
1 h 01 min 37 s
